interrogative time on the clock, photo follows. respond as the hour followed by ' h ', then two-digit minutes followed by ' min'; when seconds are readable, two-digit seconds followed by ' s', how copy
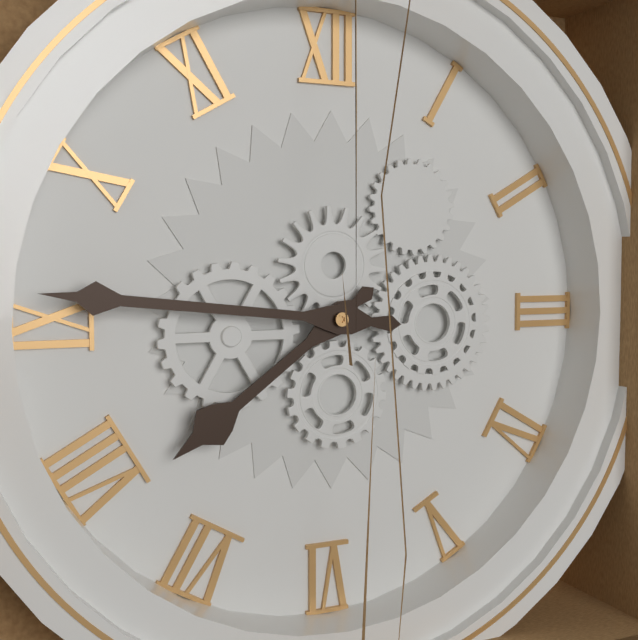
7 h 46 min
